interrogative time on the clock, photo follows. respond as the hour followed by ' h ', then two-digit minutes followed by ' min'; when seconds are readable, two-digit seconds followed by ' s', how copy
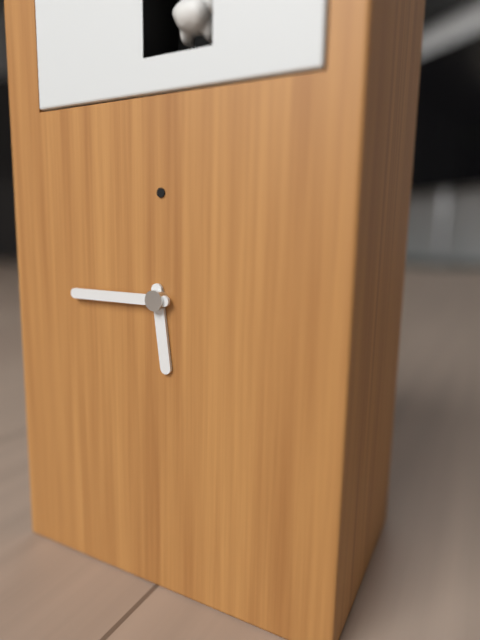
5 h 45 min
